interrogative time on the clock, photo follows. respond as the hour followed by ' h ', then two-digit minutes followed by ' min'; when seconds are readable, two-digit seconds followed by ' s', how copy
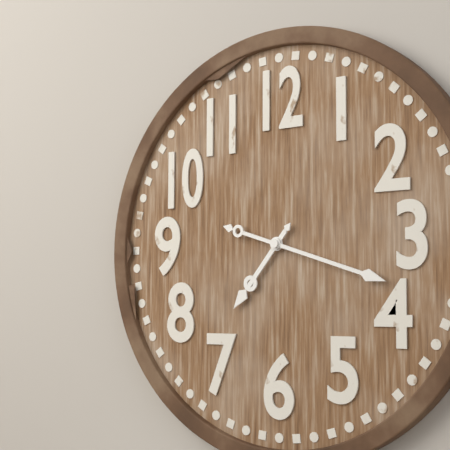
7 h 18 min
